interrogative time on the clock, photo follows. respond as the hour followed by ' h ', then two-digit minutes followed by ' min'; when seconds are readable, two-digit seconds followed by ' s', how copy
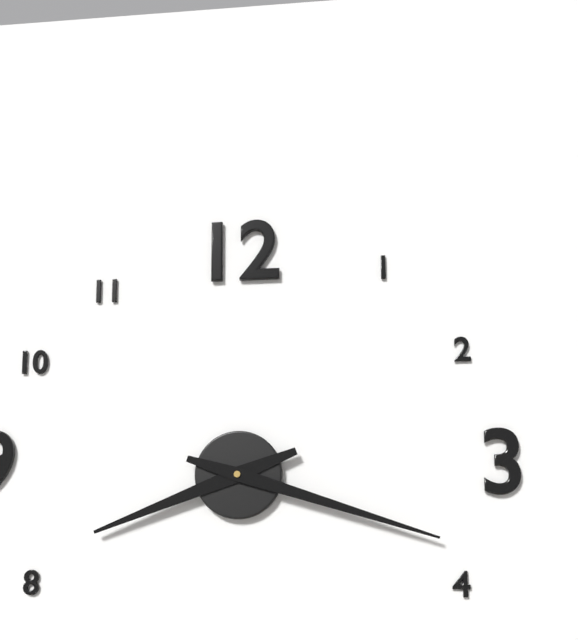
8 h 18 min
